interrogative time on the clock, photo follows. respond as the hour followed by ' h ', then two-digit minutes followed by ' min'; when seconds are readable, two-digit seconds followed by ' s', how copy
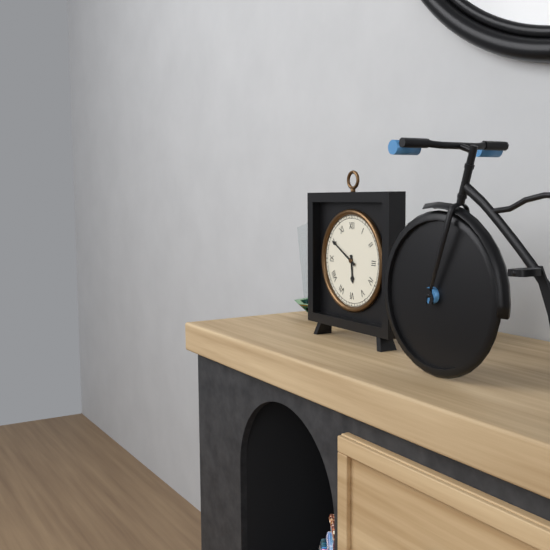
5 h 50 min
